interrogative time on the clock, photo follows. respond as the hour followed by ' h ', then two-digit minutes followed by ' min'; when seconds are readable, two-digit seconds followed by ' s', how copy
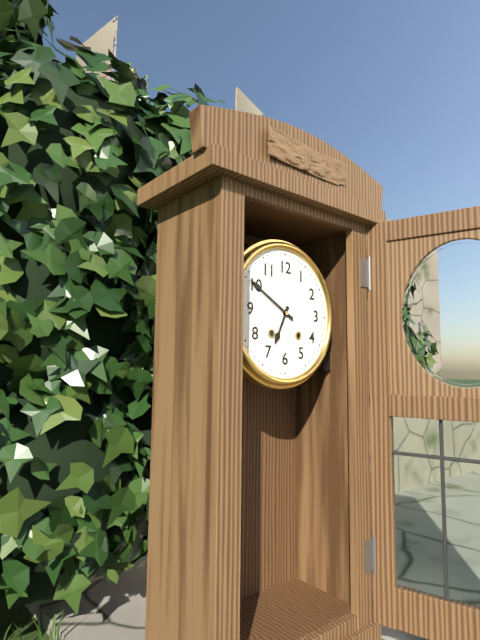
6 h 50 min
